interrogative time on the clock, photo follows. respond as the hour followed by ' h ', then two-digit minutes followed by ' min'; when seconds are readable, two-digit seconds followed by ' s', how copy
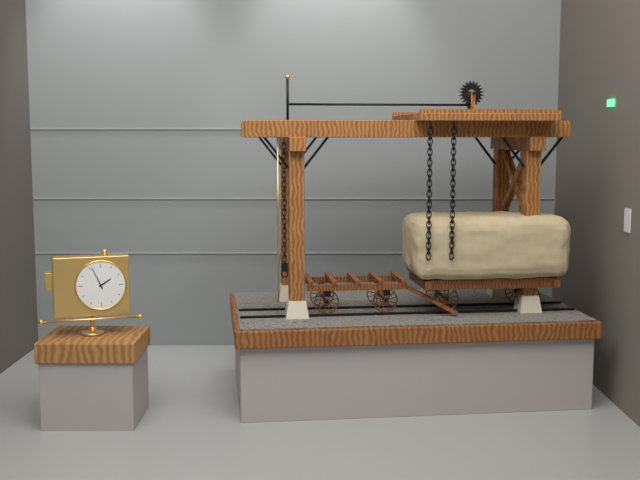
1 h 56 min
